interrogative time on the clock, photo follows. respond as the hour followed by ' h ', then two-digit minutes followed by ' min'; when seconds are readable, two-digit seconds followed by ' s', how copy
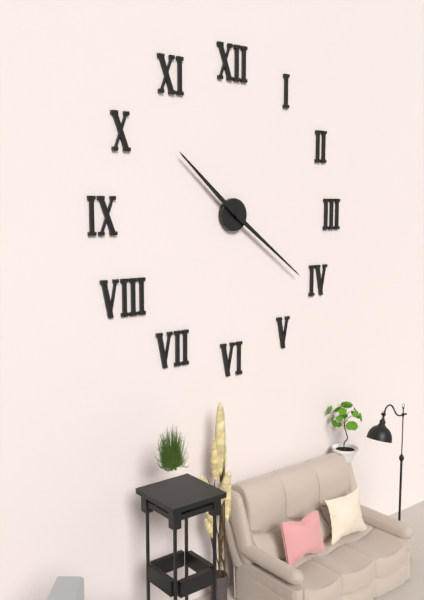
10 h 21 min
